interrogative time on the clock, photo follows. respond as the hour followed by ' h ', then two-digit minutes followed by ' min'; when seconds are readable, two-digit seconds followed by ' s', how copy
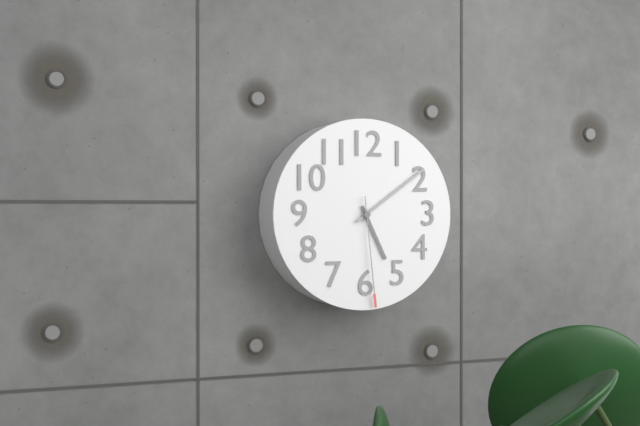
5 h 09 min 29 s
